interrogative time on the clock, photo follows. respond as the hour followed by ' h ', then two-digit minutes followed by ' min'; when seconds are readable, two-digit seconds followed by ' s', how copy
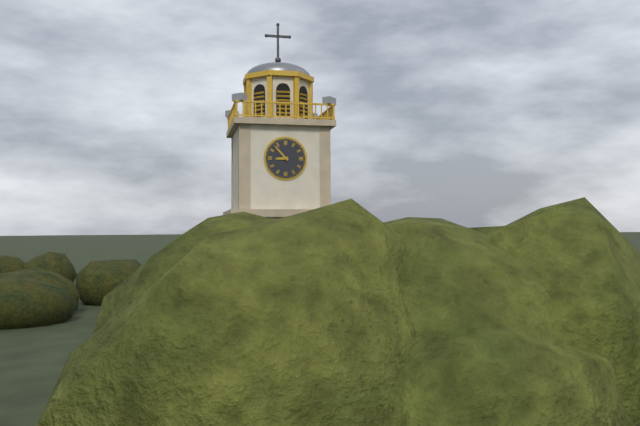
8 h 53 min
